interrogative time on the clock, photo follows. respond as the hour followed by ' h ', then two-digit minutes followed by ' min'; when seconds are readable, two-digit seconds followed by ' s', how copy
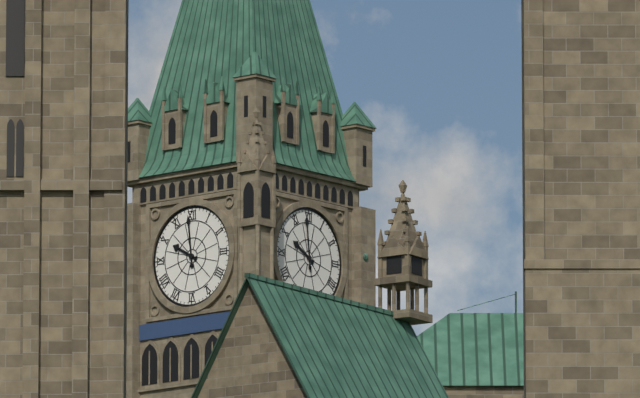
9 h 59 min
